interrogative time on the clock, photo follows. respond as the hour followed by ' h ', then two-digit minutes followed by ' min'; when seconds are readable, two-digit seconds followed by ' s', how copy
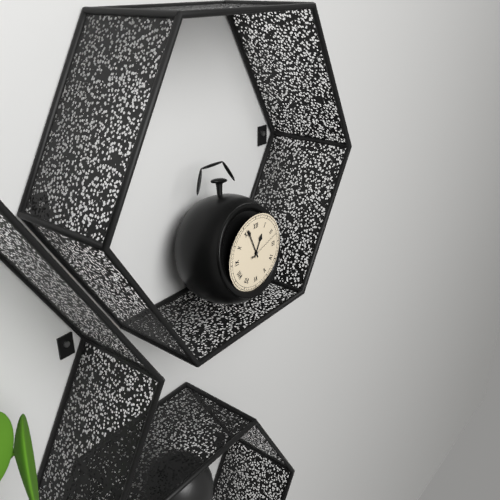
12 h 56 min
